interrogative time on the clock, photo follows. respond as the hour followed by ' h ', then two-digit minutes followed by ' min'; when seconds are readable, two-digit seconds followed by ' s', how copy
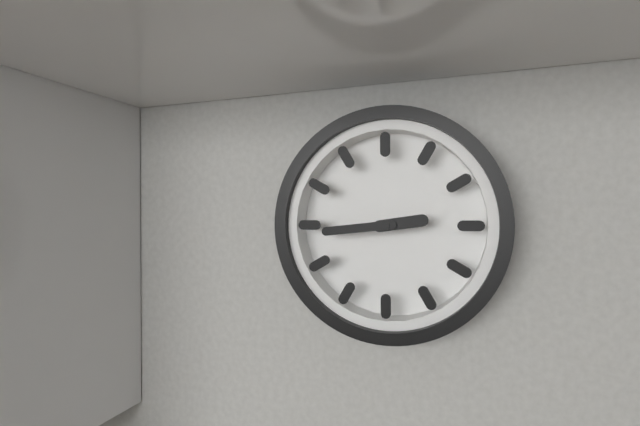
2 h 44 min
